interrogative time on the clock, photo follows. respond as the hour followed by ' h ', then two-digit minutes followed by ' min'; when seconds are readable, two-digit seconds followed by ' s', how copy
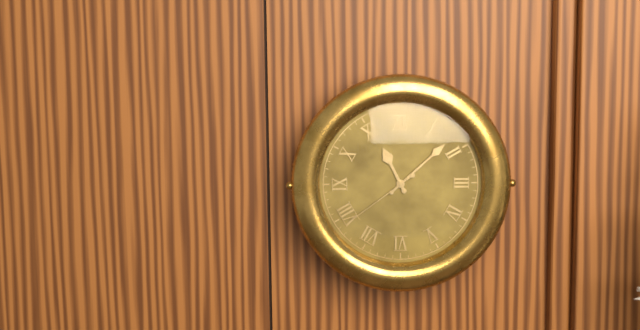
11 h 08 min 39 s
